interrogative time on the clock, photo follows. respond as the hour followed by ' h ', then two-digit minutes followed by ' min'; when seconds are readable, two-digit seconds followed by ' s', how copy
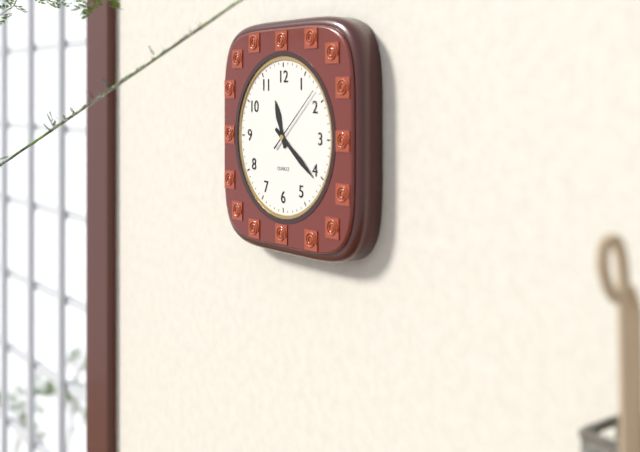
11 h 21 min 08 s
